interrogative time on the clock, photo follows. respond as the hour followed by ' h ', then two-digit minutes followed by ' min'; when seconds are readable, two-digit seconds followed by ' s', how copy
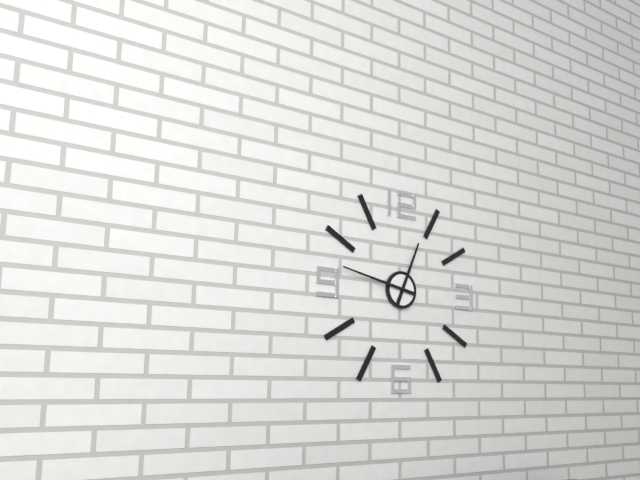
12 h 47 min
